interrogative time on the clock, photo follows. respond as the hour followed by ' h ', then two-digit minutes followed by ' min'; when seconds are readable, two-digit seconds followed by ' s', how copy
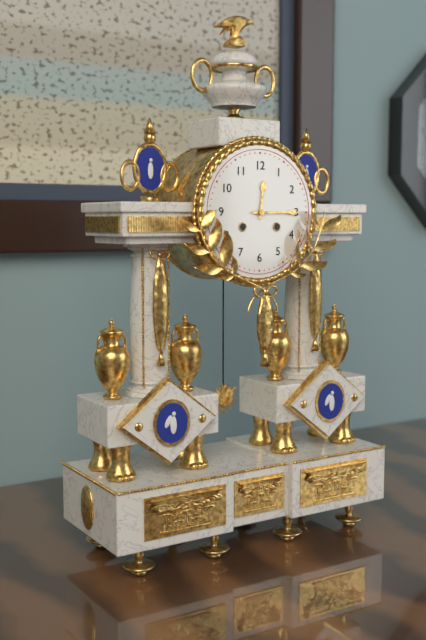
12 h 15 min
